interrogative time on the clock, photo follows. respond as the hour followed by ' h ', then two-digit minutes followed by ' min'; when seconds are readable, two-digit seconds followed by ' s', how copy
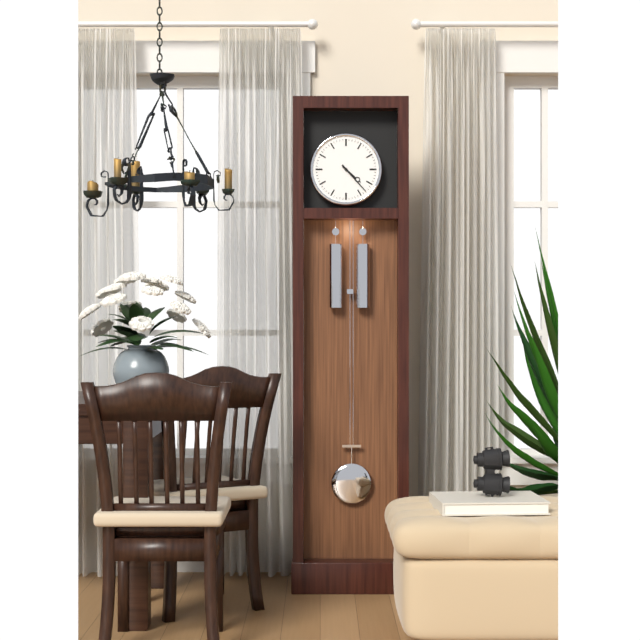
4 h 23 min
